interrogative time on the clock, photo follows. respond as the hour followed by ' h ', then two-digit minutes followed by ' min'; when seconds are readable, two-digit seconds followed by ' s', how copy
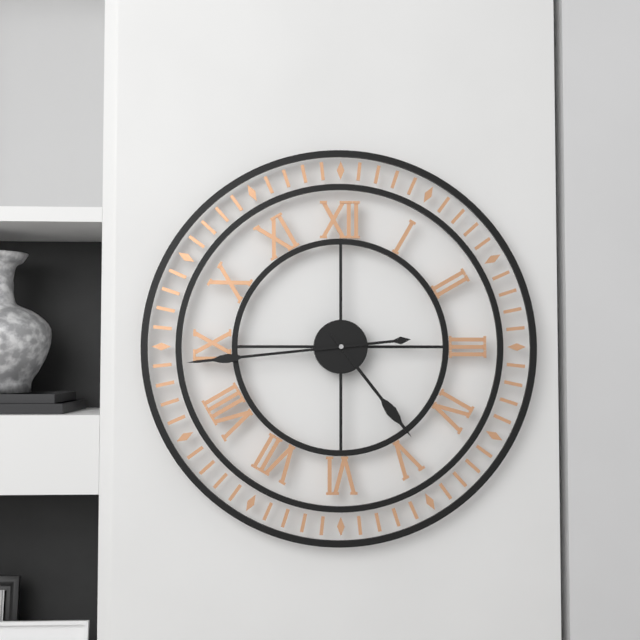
4 h 44 min
